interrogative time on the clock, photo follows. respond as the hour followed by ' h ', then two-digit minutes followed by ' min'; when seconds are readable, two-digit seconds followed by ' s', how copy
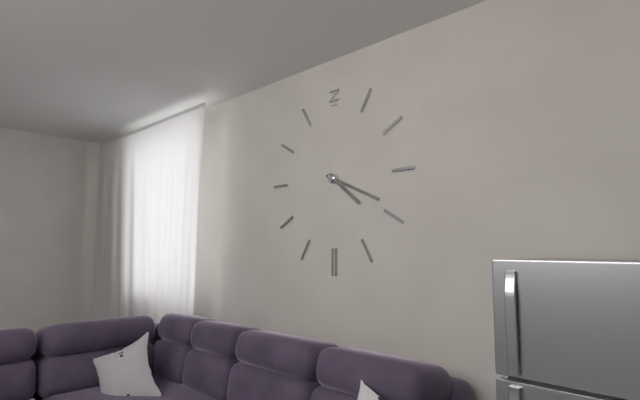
4 h 19 min
